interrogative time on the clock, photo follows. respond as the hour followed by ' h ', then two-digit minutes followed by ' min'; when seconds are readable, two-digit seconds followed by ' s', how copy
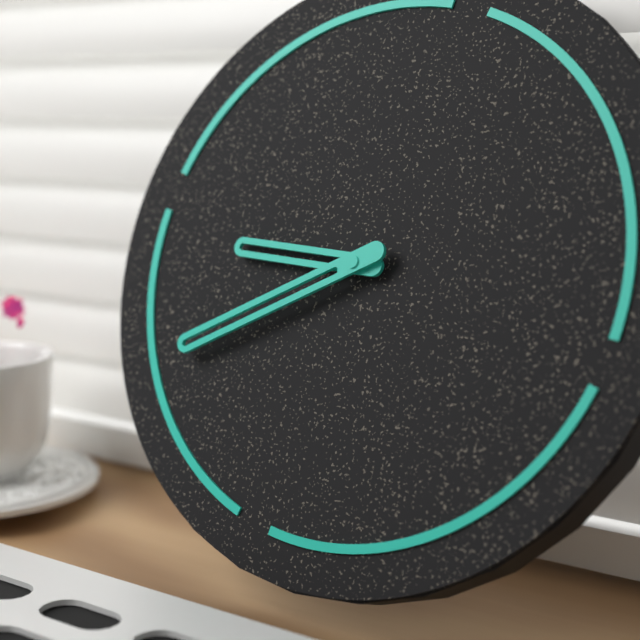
8 h 38 min
